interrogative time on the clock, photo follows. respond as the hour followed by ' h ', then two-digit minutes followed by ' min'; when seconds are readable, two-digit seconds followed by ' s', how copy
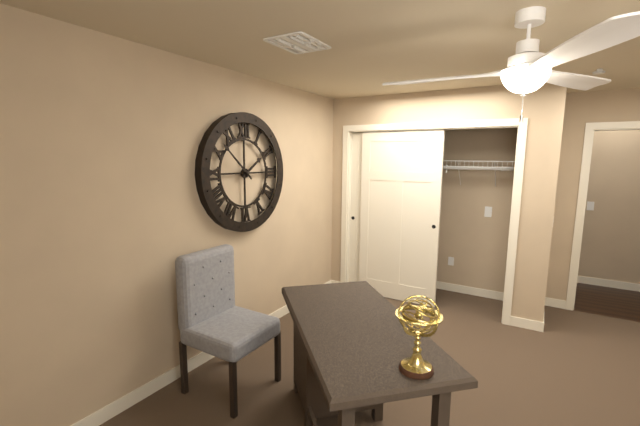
1 h 52 min
